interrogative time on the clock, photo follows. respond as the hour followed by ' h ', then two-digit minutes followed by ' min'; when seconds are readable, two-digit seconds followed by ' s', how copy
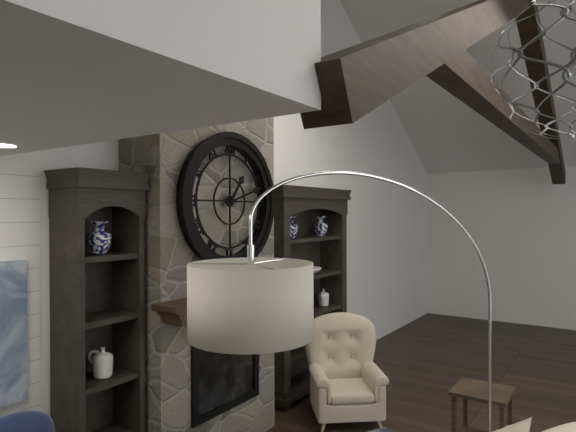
1 h 12 min
